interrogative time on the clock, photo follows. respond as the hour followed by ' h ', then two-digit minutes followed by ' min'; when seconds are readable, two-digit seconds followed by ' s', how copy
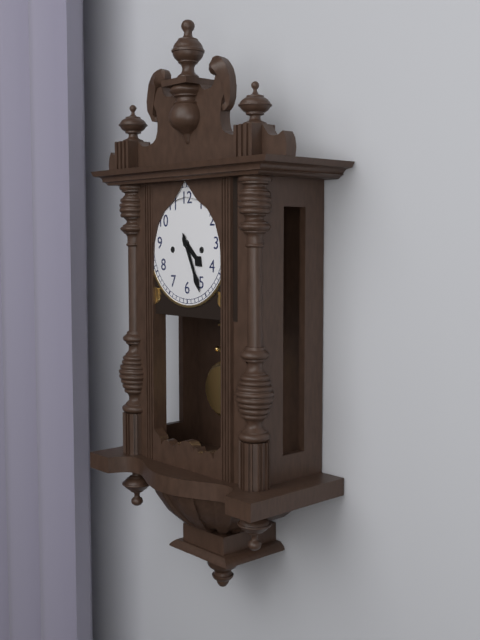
4 h 26 min
